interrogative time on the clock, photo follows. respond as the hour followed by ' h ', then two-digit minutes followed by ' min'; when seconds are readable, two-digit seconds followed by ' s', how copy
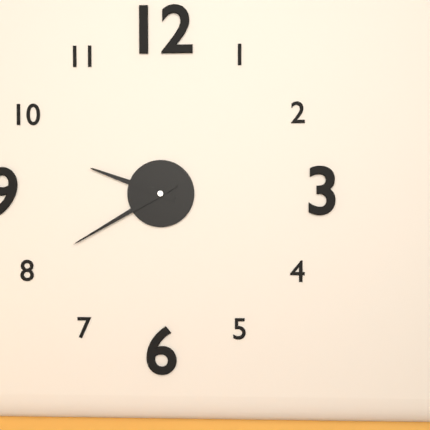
9 h 40 min
